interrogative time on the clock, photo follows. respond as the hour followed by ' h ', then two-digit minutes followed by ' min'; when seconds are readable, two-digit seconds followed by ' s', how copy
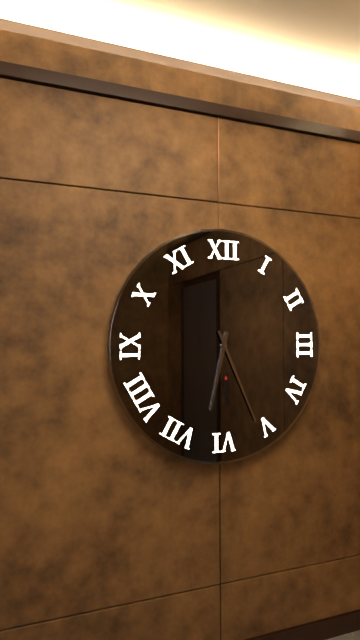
6 h 26 min
